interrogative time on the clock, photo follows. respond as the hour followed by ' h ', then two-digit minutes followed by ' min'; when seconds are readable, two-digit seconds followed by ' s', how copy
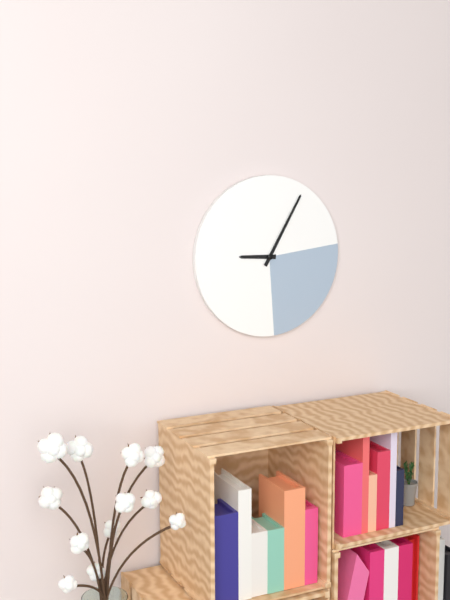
9 h 05 min
